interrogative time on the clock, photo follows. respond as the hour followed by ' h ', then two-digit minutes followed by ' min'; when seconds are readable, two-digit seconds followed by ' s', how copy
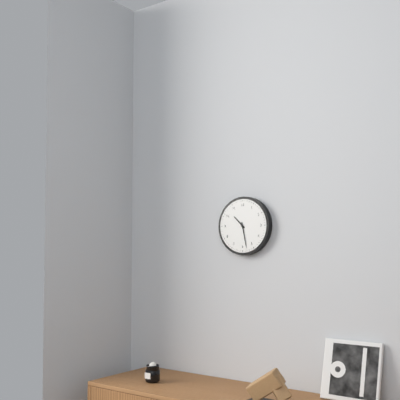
10 h 28 min
